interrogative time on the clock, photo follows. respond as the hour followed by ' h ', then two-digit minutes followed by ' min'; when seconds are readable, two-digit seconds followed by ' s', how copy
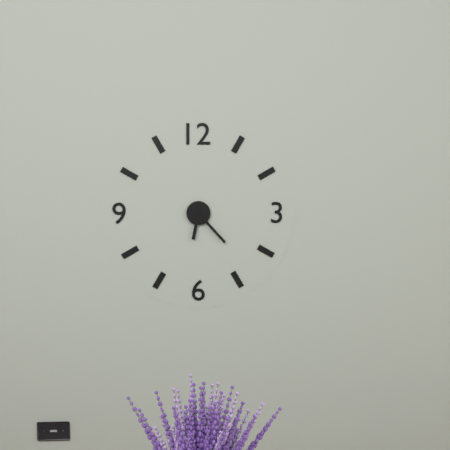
6 h 23 min
